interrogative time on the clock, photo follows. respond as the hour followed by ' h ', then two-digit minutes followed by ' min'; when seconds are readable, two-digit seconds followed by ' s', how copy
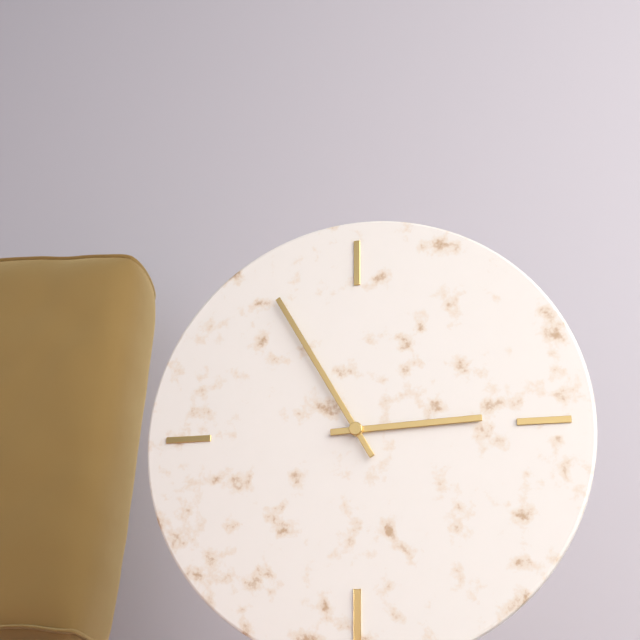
2 h 55 min
